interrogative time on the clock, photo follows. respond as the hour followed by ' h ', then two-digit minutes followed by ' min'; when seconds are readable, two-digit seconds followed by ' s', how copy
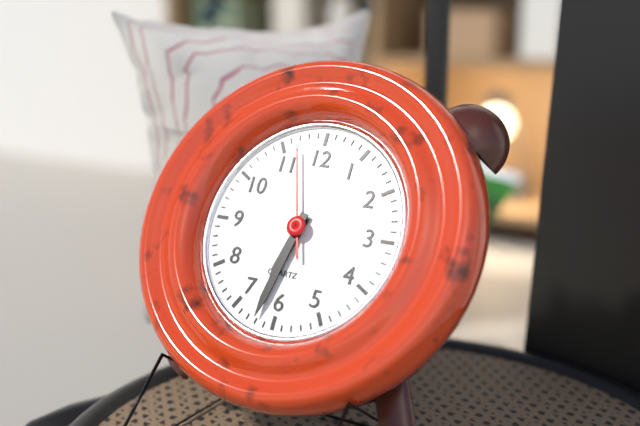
6 h 32 min 57 s
